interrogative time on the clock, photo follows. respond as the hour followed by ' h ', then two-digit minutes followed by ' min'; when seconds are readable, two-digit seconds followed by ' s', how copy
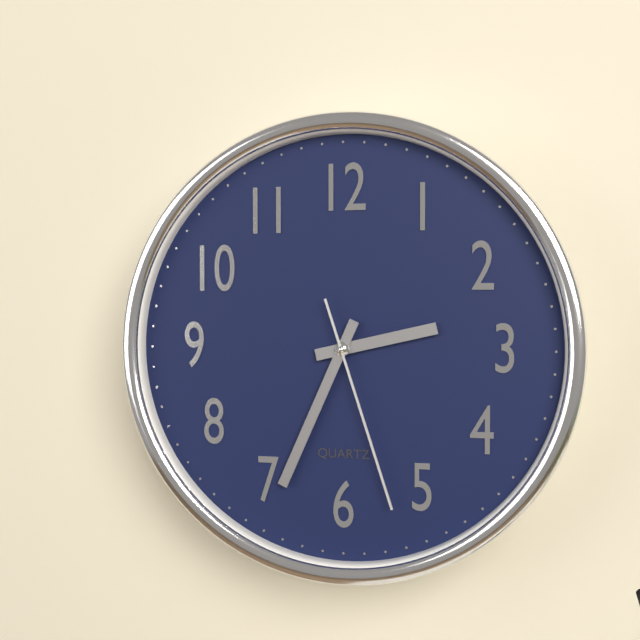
2 h 34 min 27 s
